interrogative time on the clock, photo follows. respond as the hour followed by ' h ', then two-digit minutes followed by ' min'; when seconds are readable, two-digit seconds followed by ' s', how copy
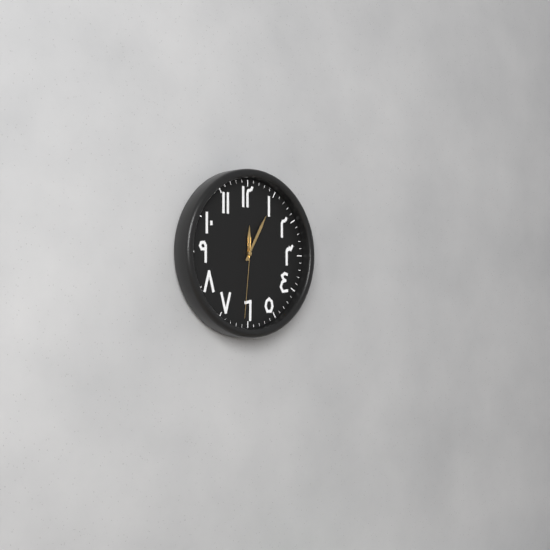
12 h 05 min 31 s
